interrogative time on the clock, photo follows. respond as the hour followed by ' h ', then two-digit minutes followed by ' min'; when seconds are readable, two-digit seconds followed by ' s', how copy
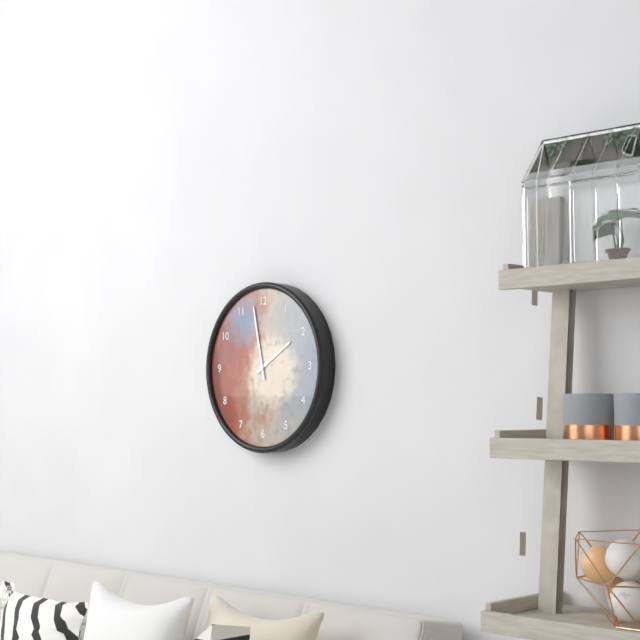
1 h 58 min
